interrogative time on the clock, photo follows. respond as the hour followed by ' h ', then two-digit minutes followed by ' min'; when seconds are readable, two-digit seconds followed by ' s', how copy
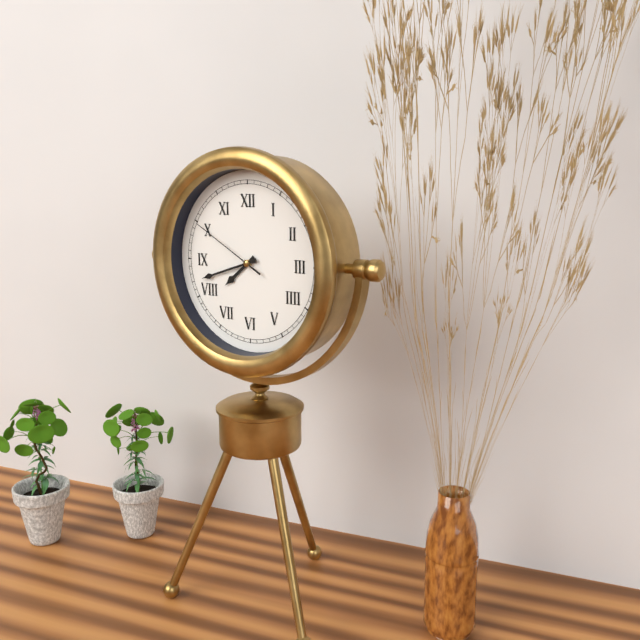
7 h 42 min 50 s
